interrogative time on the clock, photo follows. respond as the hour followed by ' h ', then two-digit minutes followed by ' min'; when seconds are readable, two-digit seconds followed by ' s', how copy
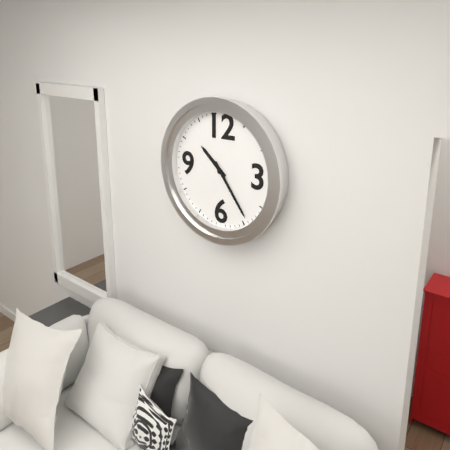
10 h 24 min
